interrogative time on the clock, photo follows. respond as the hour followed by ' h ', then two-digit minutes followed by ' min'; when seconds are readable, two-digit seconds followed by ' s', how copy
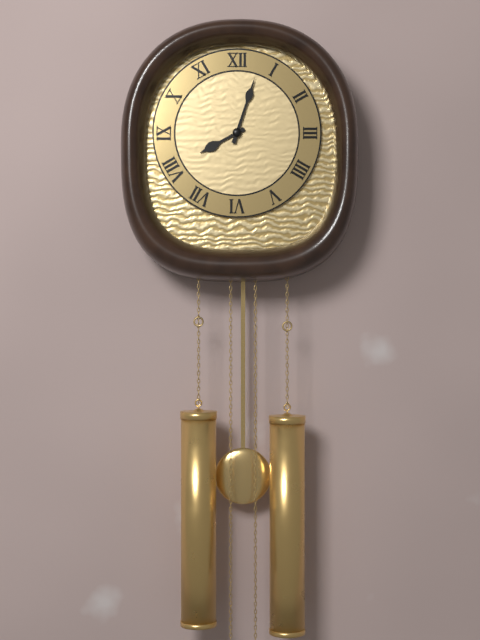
8 h 03 min
